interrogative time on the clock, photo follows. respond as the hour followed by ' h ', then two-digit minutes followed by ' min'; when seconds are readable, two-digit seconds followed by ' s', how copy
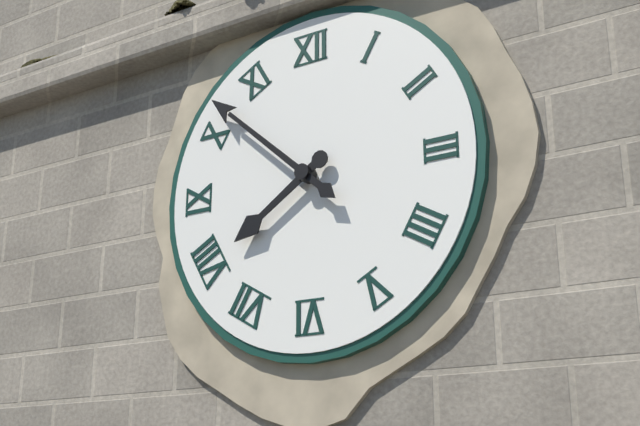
7 h 52 min
